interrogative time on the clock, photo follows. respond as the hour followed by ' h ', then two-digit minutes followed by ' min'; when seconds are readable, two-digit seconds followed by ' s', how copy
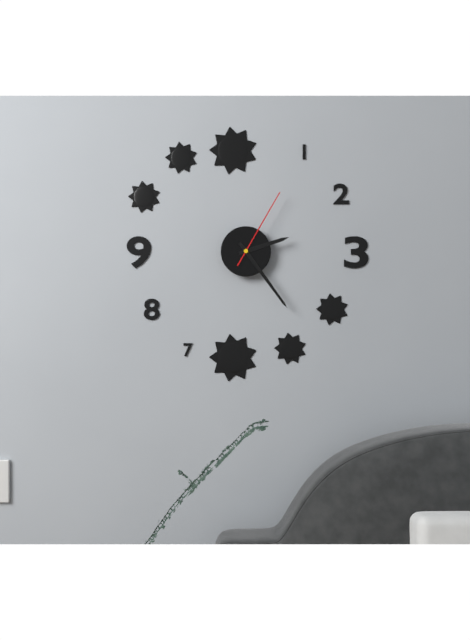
2 h 24 min 05 s
